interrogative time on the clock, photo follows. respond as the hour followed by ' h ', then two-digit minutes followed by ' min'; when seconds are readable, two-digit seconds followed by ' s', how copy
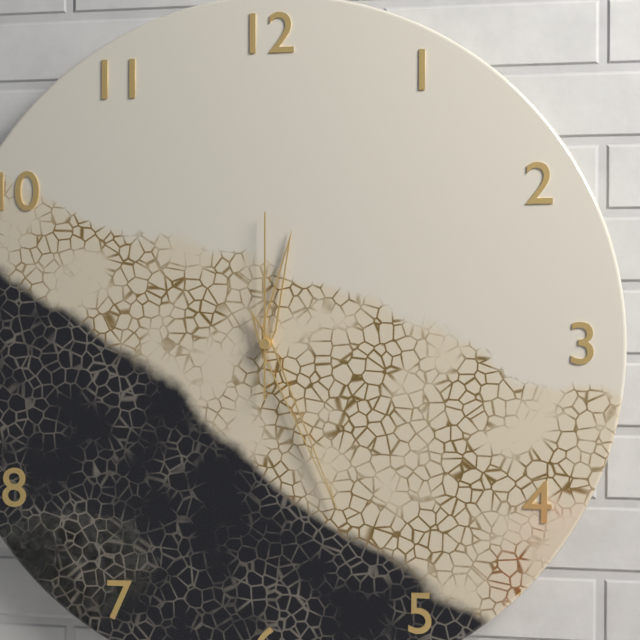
12 h 26 min 00 s
